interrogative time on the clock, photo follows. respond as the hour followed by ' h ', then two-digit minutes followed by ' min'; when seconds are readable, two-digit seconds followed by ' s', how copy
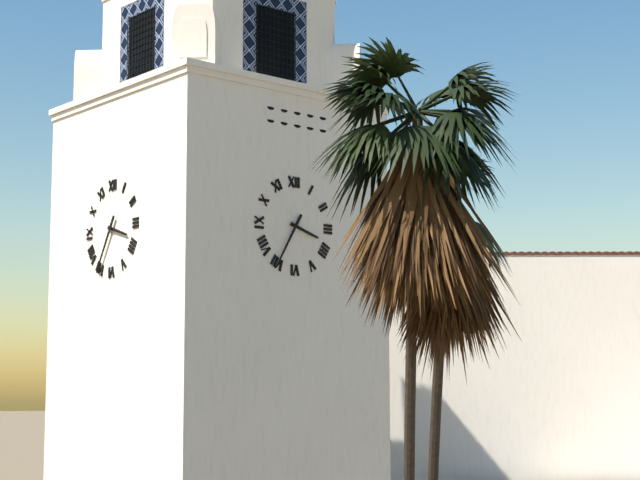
3 h 35 min
